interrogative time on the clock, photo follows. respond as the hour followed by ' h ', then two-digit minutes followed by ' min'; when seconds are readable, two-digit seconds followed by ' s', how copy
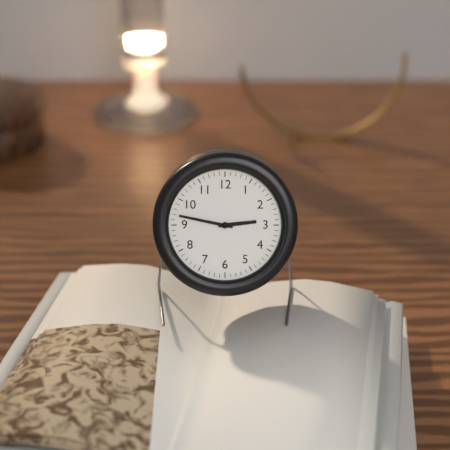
2 h 47 min
